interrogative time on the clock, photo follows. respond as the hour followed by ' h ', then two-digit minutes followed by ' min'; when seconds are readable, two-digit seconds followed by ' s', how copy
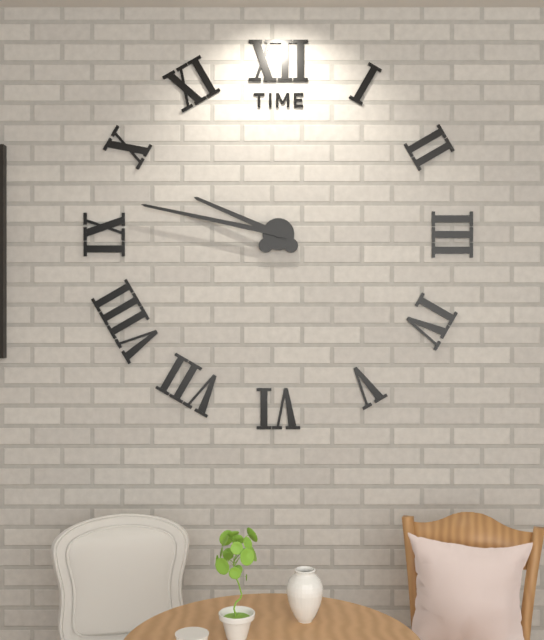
9 h 47 min
